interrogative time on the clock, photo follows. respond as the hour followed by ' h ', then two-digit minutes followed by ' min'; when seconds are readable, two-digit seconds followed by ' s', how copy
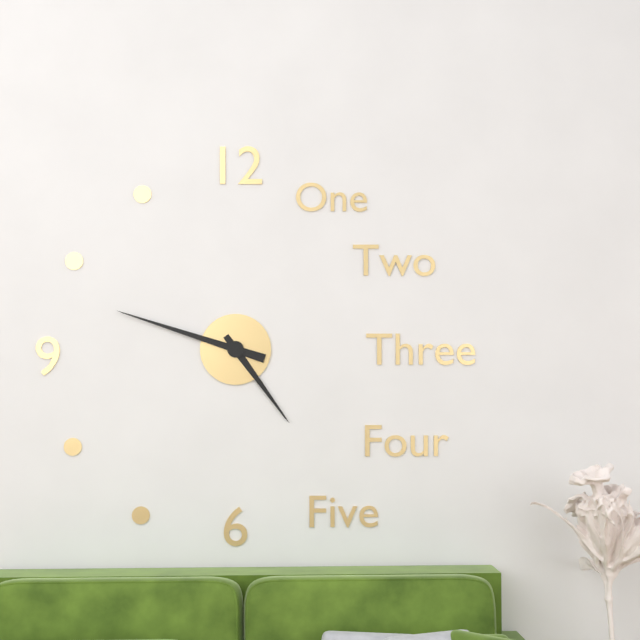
4 h 48 min
